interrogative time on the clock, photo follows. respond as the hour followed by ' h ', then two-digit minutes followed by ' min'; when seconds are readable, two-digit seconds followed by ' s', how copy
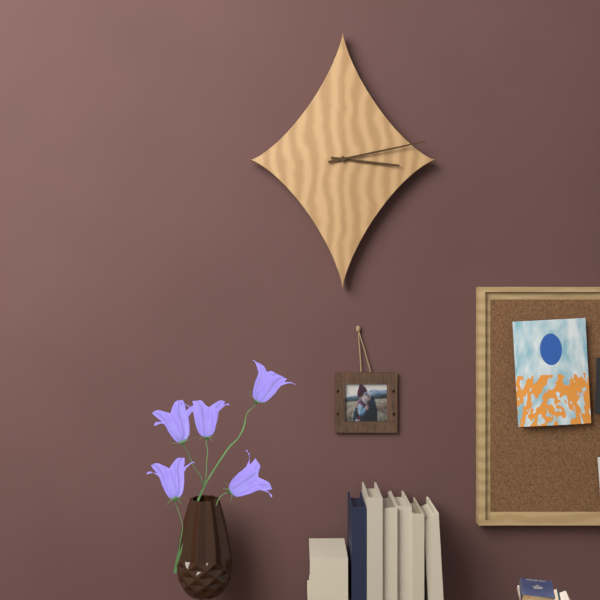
3 h 13 min
